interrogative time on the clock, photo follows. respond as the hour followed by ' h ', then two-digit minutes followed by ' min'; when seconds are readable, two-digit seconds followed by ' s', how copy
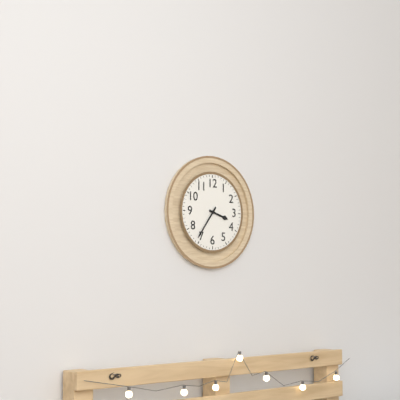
3 h 36 min
